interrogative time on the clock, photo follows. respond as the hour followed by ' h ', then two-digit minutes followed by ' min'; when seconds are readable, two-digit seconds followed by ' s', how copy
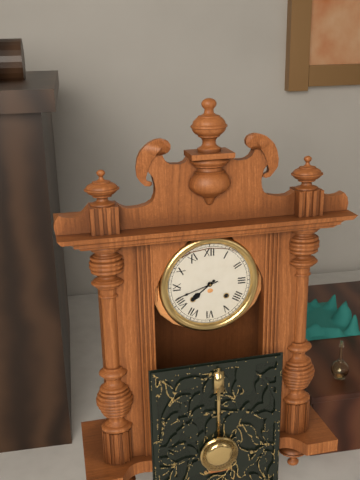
7 h 42 min
